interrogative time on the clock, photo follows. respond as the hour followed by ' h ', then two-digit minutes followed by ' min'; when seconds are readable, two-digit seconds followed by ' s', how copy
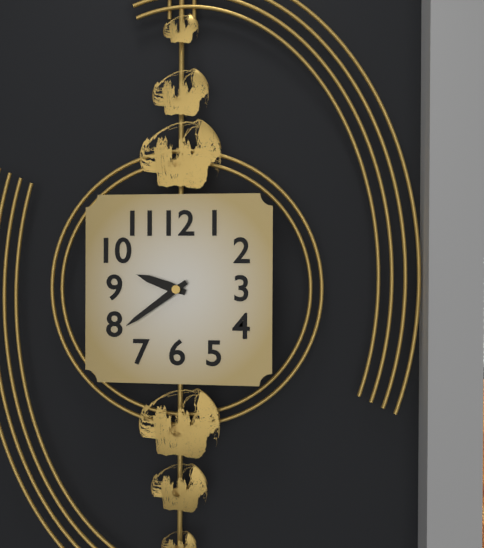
9 h 39 min
